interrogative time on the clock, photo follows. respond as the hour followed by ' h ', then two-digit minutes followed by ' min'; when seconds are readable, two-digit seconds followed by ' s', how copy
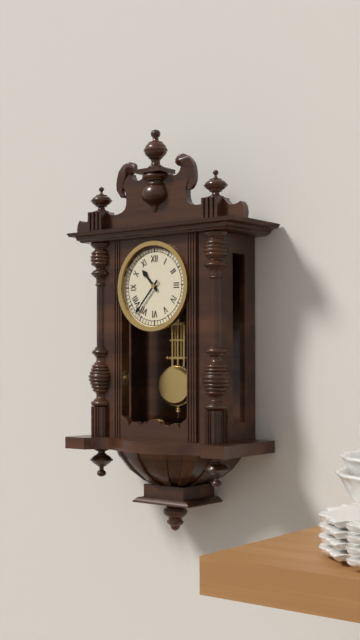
10 h 37 min
